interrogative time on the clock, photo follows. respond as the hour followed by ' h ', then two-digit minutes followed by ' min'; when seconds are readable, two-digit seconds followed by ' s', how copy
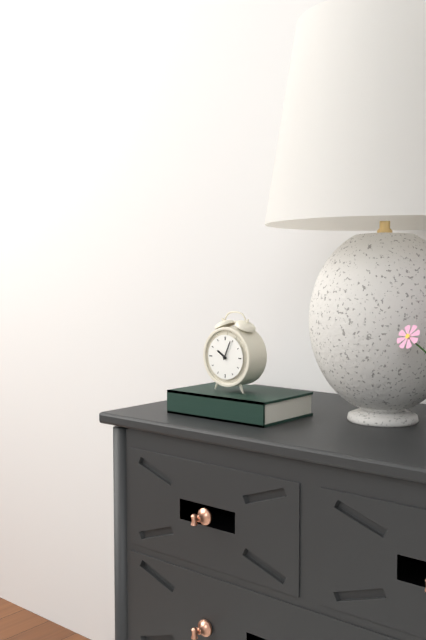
10 h 04 min
